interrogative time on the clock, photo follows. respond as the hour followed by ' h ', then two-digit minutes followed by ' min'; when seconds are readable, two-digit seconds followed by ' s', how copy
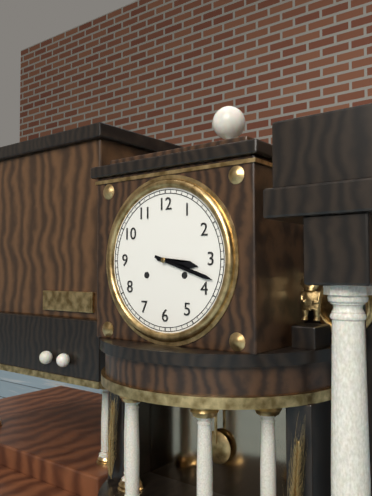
3 h 18 min
